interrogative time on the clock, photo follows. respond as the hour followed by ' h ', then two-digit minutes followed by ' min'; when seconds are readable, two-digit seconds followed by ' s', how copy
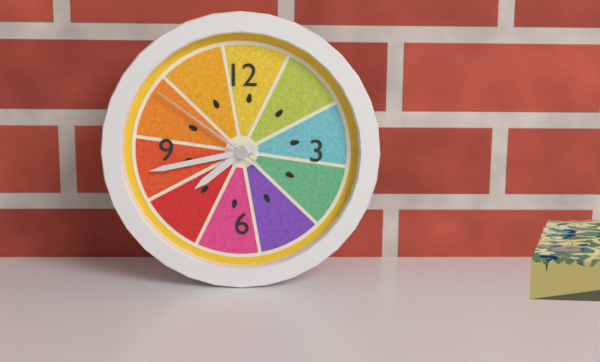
7 h 43 min 51 s
